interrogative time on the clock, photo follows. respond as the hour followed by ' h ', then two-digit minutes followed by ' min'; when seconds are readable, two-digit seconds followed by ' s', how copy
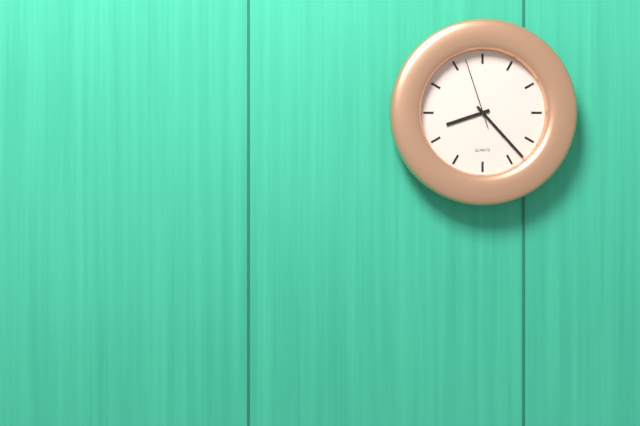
8 h 23 min 57 s
